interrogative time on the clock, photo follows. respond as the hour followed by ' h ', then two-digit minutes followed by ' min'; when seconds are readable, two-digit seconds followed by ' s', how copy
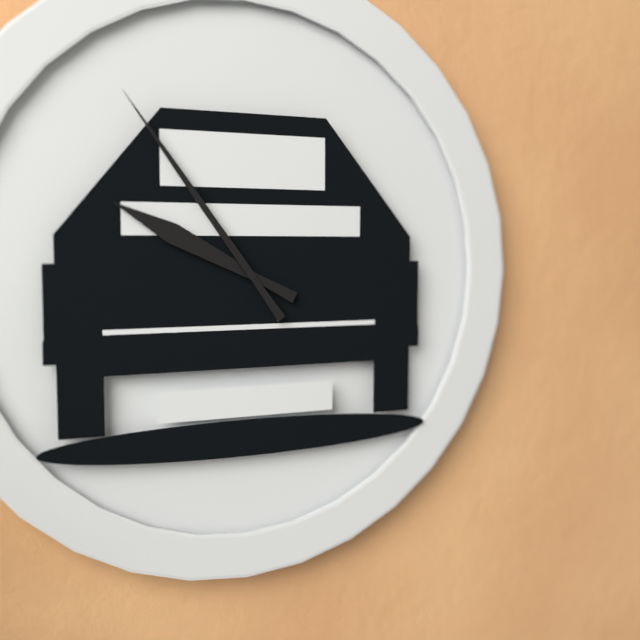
9 h 54 min
